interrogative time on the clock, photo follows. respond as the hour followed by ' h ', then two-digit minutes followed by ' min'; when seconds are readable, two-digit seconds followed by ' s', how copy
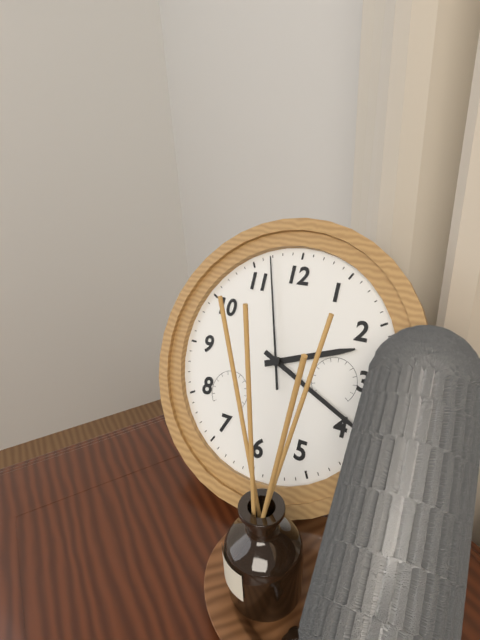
2 h 19 min 57 s
